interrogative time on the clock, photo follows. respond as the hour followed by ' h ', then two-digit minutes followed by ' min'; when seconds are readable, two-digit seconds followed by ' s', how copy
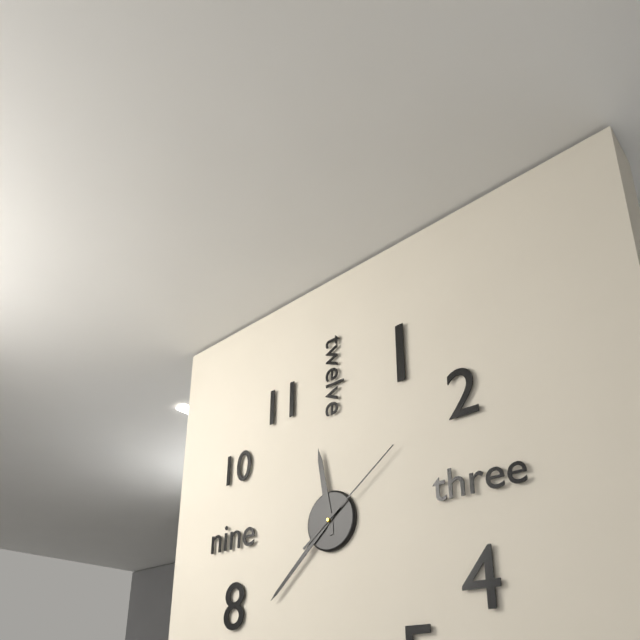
11 h 38 min 09 s
